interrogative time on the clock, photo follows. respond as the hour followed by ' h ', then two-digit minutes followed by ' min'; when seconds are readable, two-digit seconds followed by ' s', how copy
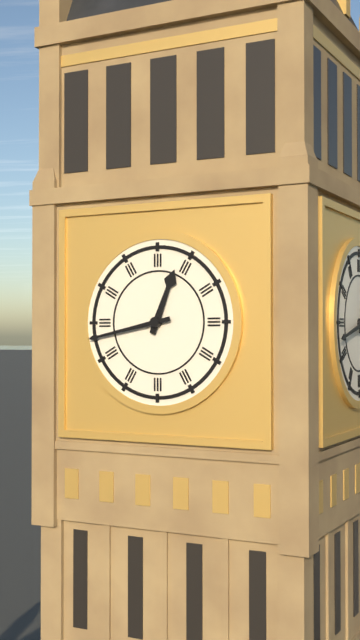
12 h 43 min
